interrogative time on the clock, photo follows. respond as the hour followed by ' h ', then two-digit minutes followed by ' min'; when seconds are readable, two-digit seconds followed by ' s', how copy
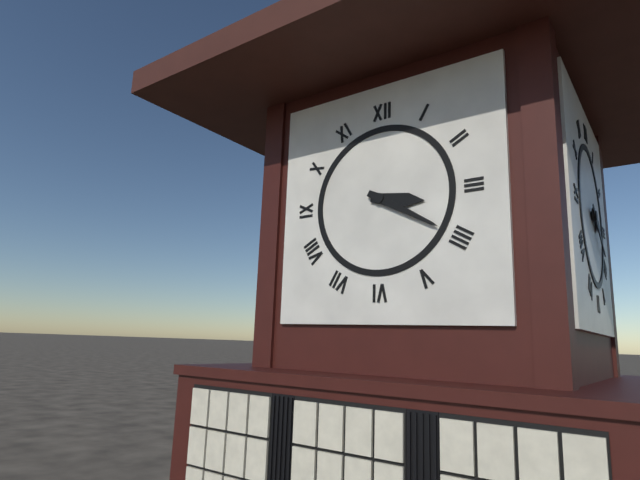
3 h 20 min
